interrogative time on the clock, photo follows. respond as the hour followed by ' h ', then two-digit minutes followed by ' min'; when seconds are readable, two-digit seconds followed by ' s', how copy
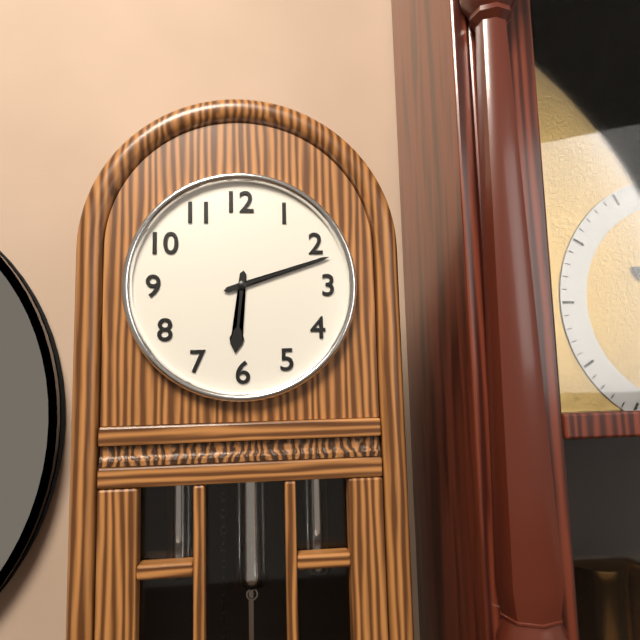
6 h 12 min
